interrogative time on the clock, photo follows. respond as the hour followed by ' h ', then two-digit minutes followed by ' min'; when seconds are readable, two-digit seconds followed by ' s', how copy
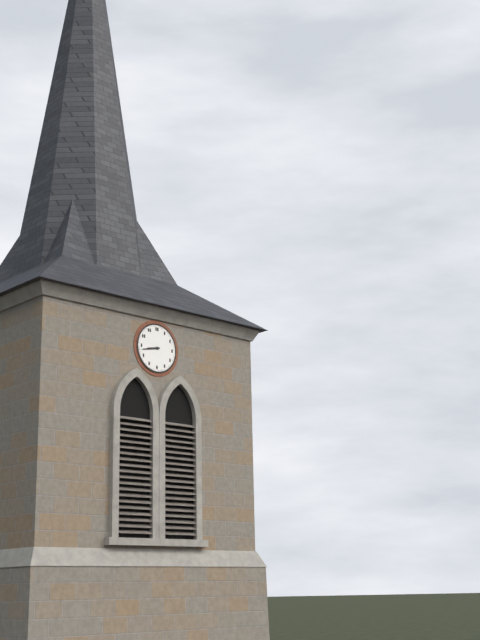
8 h 43 min
